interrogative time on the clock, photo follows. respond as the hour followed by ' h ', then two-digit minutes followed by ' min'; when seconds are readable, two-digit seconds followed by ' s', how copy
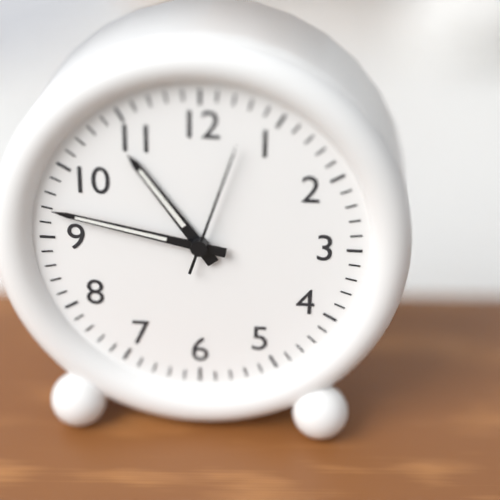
10 h 47 min 03 s
